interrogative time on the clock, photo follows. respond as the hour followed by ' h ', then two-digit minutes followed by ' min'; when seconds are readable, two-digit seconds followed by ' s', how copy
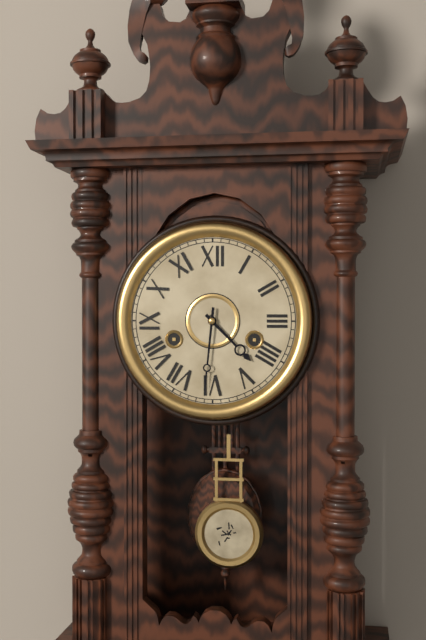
4 h 31 min
